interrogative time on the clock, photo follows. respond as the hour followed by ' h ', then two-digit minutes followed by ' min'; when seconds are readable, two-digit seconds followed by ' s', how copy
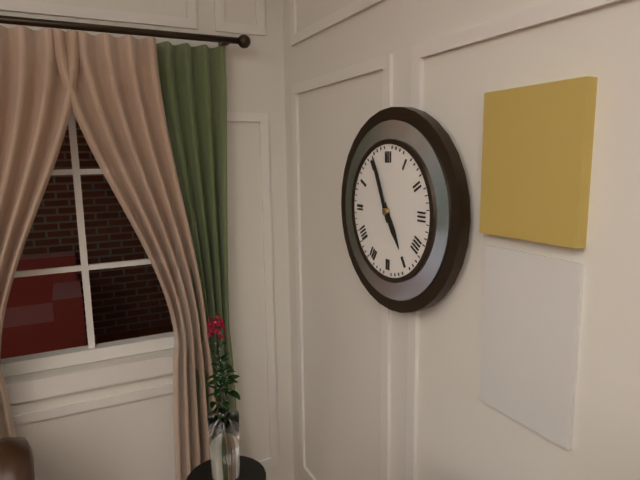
4 h 56 min
